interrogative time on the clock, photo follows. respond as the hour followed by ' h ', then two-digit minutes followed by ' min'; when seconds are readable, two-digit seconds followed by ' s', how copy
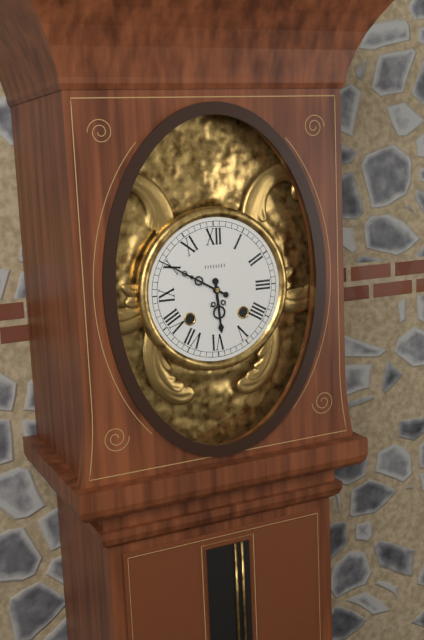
5 h 50 min
